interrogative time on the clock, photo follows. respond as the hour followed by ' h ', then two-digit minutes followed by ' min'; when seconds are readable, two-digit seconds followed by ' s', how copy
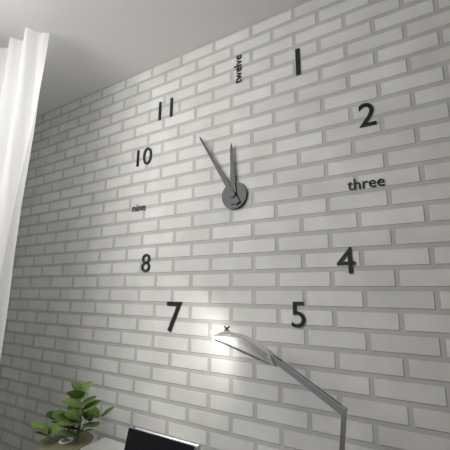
11 h 55 min
